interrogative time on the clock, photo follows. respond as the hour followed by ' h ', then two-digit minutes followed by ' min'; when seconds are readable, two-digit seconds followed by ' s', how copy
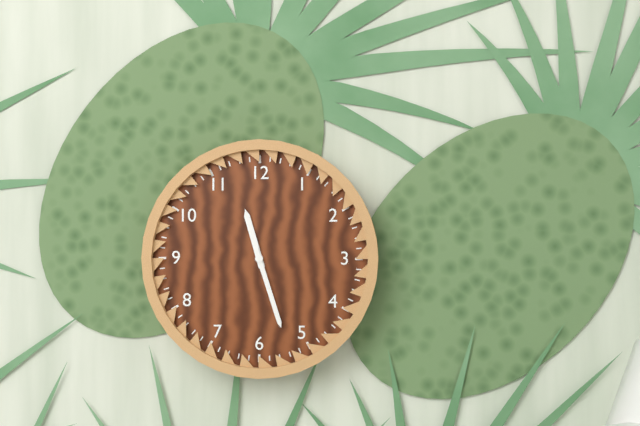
11 h 27 min
